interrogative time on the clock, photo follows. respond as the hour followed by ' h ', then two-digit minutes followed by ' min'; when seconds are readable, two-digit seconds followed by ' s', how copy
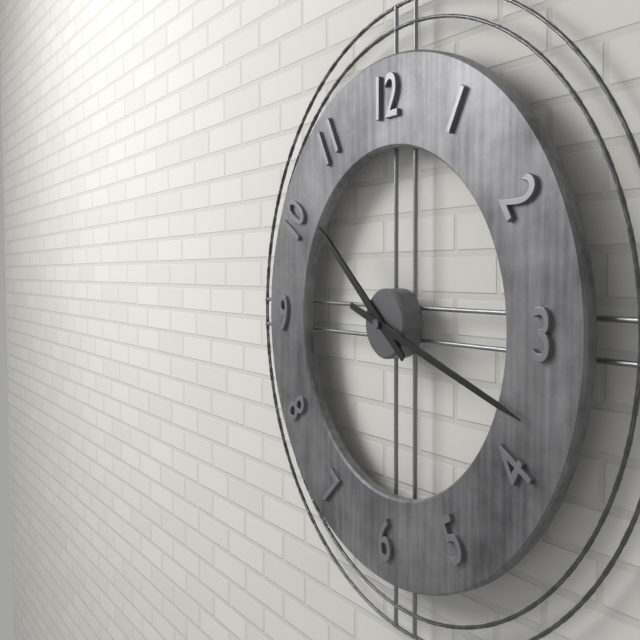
10 h 18 min
